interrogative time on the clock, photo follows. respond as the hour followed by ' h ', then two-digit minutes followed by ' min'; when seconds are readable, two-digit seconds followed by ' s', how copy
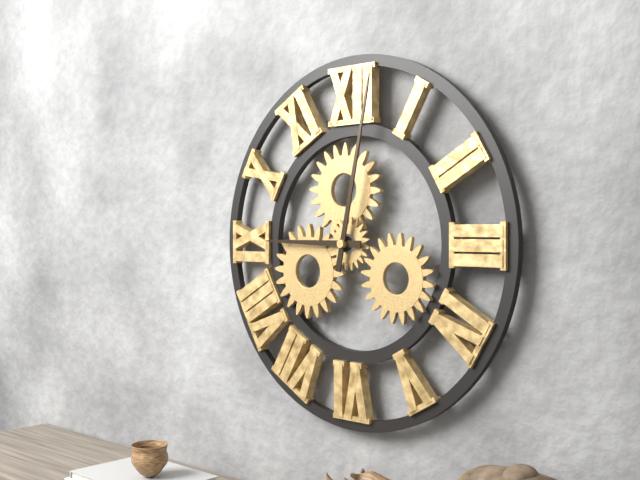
9 h 02 min
